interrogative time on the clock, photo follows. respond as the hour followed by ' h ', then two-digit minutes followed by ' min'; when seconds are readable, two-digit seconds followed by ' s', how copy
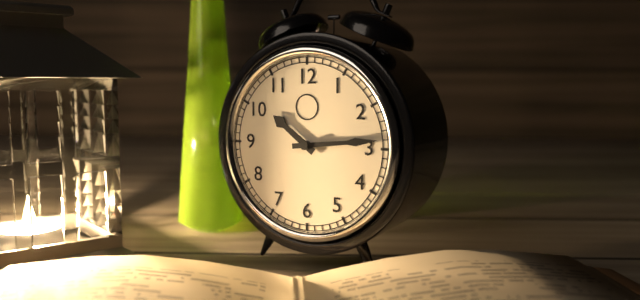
10 h 14 min
